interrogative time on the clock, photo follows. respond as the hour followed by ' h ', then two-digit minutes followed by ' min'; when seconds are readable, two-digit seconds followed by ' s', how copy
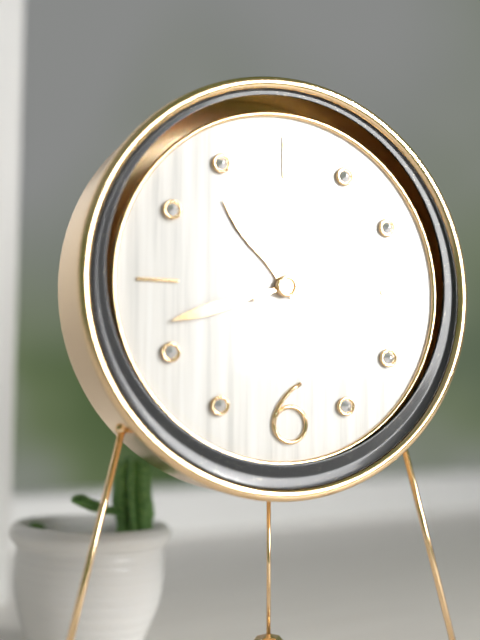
10 h 42 min 11 s
